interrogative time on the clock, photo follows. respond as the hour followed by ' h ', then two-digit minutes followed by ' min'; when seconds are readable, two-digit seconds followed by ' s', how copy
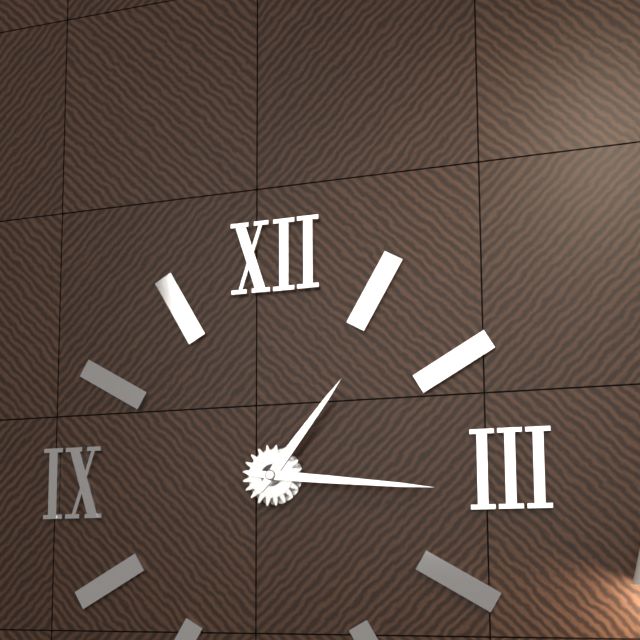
1 h 16 min
